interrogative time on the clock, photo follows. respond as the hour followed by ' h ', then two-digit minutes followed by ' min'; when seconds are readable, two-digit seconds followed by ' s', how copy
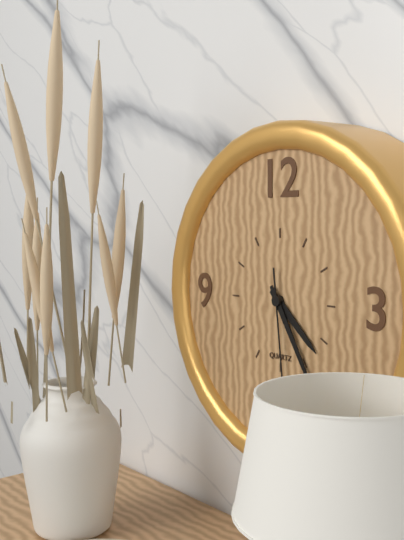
4 h 25 min 29 s
